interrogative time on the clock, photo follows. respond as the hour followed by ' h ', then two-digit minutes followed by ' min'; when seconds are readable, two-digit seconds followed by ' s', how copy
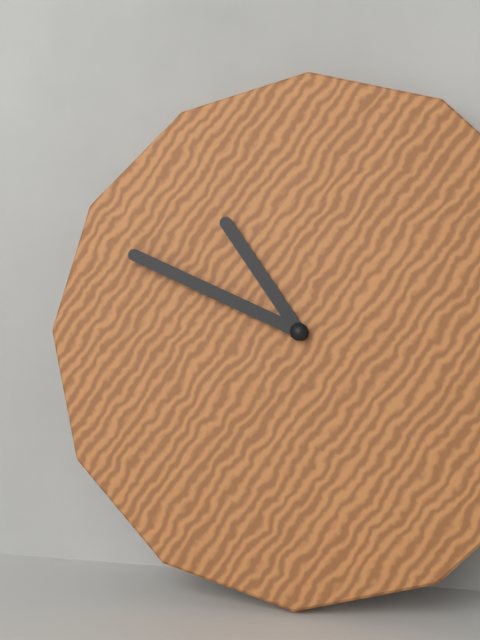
10 h 49 min
